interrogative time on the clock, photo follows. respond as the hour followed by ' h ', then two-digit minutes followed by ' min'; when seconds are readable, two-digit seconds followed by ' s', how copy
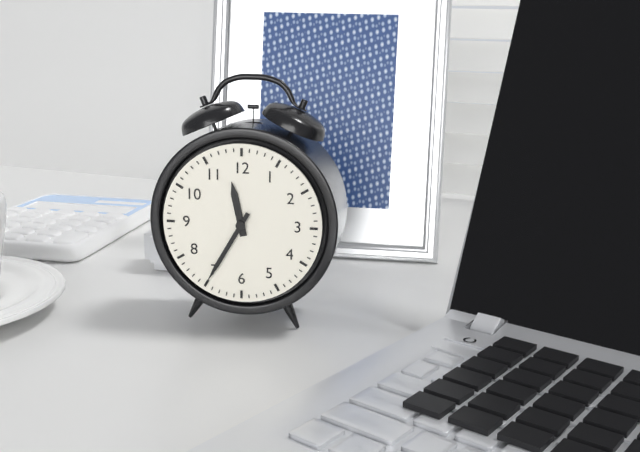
11 h 35 min
